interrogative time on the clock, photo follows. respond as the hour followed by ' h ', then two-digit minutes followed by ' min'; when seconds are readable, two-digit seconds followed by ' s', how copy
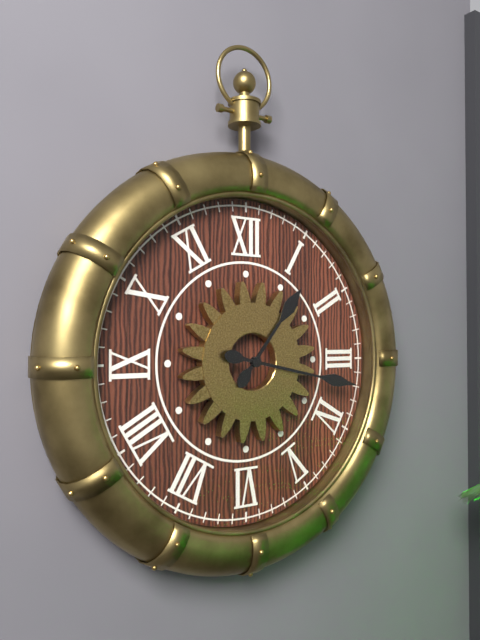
1 h 17 min
